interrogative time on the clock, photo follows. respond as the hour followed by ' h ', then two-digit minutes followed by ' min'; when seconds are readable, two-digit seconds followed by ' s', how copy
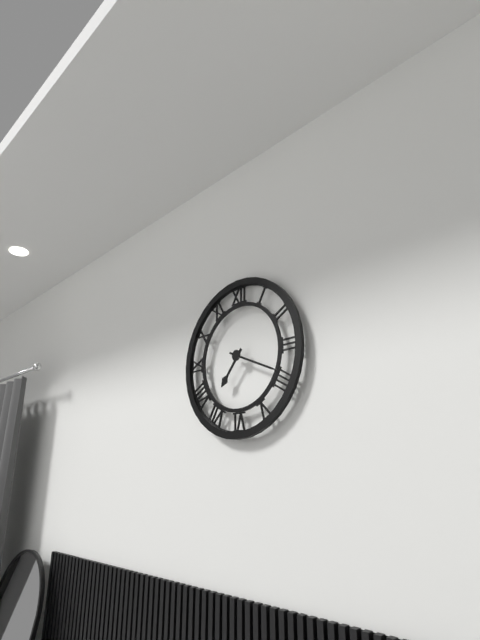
7 h 19 min
